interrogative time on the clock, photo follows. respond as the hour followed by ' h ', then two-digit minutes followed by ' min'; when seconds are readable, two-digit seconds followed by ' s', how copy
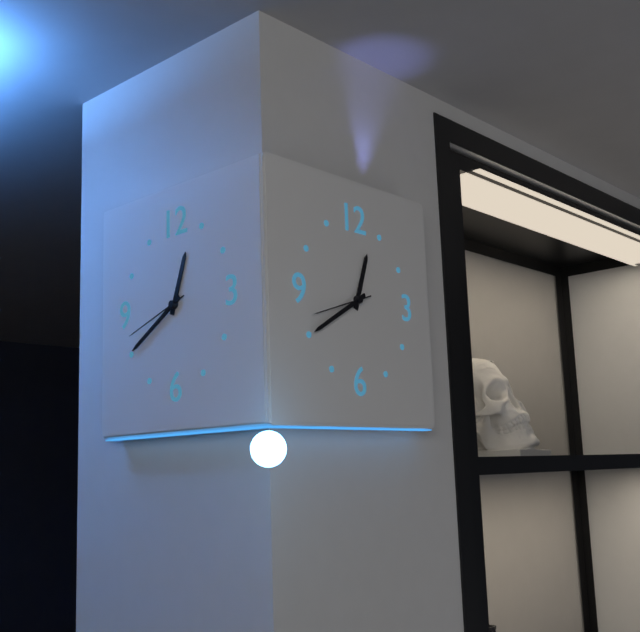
12 h 40 min 42 s
